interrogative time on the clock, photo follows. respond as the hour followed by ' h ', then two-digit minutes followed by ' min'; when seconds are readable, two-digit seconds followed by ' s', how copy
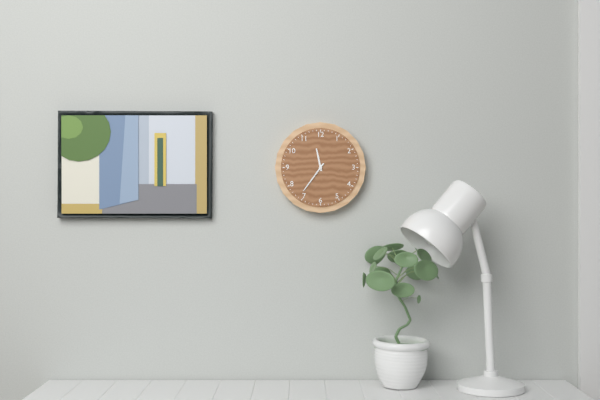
11 h 36 min
